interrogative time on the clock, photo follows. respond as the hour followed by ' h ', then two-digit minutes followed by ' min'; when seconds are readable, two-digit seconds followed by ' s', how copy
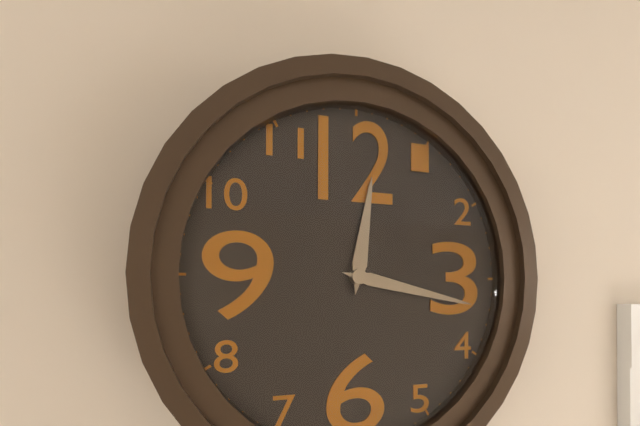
12 h 17 min
